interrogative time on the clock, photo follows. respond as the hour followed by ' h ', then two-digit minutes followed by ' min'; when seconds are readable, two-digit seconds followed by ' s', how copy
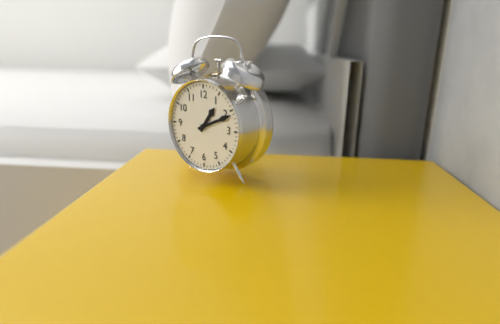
1 h 11 min
